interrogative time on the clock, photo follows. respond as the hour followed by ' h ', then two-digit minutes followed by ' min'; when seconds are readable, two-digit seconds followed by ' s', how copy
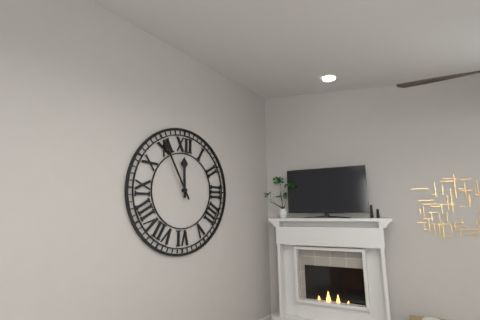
11 h 55 min
